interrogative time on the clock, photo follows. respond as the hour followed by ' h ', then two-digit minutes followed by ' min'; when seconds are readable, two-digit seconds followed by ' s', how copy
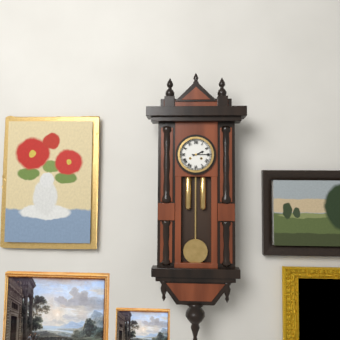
2 h 15 min
